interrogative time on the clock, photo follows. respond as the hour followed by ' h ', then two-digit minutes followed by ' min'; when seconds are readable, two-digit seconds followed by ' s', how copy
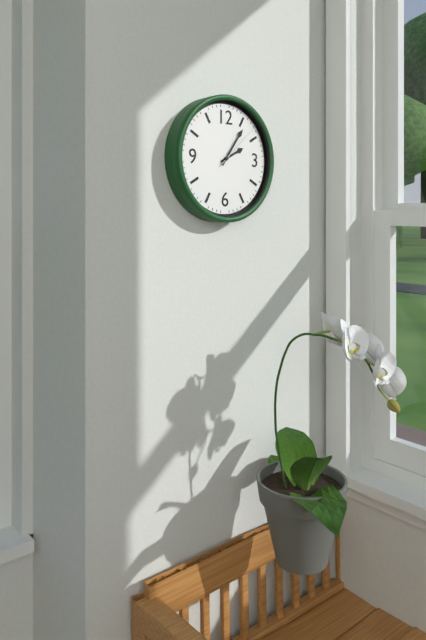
2 h 06 min 08 s
